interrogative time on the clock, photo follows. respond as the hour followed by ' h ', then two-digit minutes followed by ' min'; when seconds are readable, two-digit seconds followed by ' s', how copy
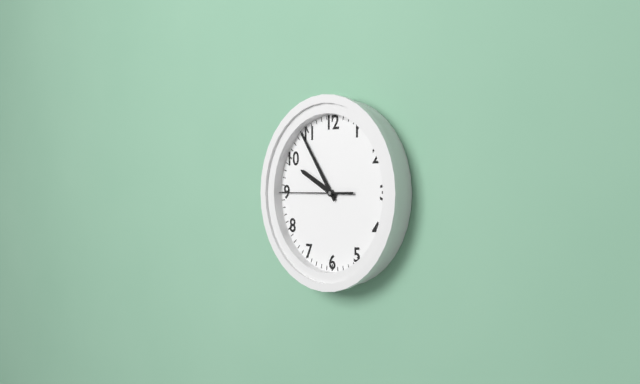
9 h 54 min 45 s
